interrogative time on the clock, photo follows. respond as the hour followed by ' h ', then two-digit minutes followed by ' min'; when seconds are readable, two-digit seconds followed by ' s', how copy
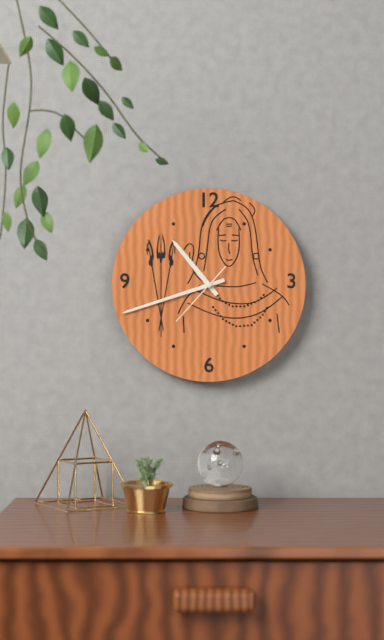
10 h 42 min 37 s
